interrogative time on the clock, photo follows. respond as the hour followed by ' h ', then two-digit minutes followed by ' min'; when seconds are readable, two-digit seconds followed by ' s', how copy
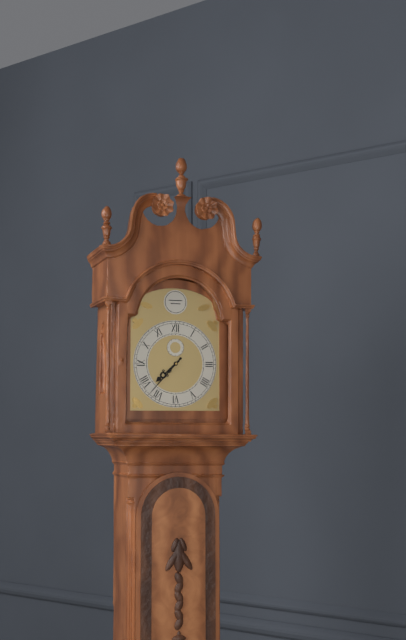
7 h 37 min
